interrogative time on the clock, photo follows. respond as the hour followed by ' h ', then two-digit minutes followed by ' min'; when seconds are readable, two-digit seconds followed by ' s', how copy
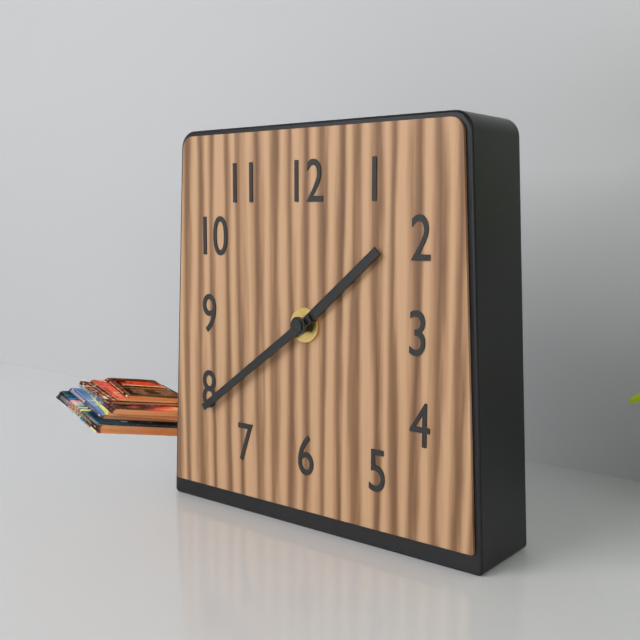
1 h 39 min
